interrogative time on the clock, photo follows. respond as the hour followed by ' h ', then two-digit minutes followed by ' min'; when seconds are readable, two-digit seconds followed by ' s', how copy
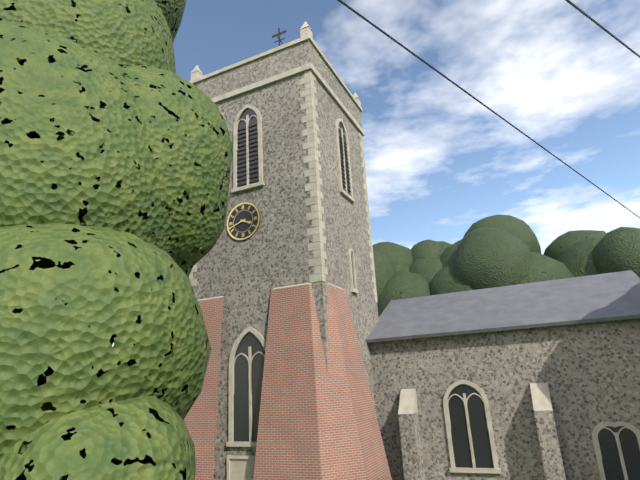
3 h 42 min
